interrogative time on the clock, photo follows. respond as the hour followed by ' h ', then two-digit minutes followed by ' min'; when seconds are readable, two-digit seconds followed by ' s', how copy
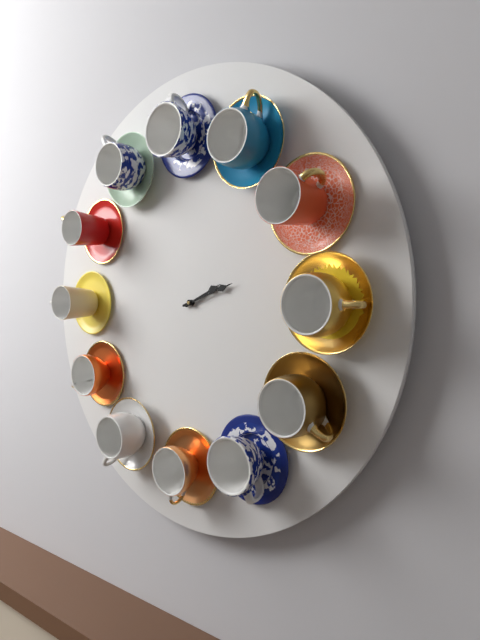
2 h 12 min
